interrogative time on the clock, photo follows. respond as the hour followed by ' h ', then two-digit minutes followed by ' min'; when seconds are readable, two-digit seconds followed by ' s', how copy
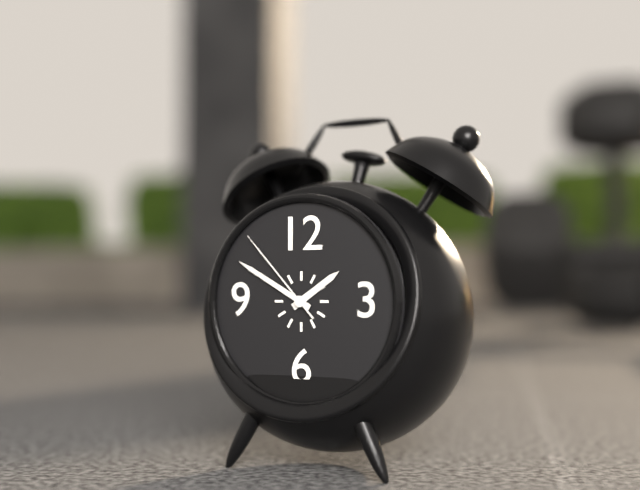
1 h 50 min 53 s
